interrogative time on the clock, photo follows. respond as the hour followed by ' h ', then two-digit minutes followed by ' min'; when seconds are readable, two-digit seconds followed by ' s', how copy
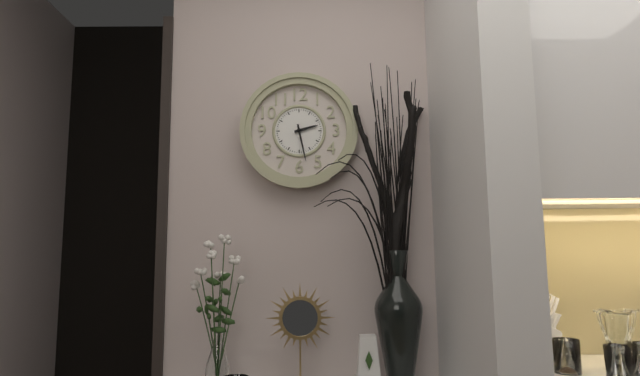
2 h 28 min
